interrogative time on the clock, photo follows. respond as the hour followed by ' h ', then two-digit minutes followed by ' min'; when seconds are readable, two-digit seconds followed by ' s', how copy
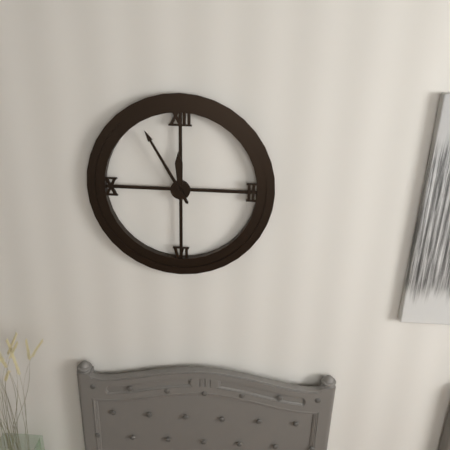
11 h 55 min
